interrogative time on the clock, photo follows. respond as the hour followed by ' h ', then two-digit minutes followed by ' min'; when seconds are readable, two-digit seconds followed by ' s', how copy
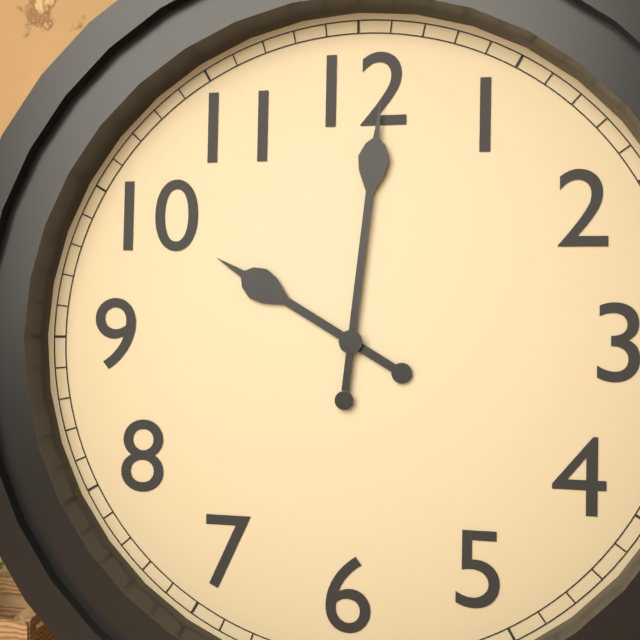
10 h 01 min
